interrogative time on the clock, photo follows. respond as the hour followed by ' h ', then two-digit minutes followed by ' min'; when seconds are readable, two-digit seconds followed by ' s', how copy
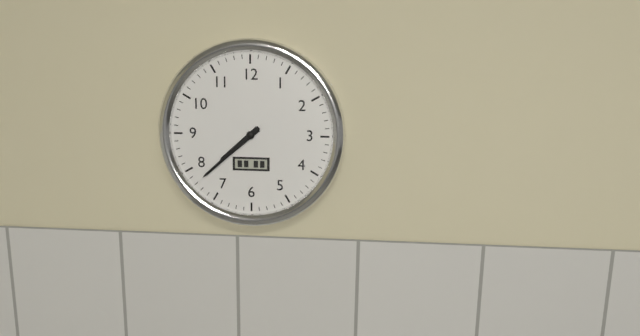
7 h 38 min
